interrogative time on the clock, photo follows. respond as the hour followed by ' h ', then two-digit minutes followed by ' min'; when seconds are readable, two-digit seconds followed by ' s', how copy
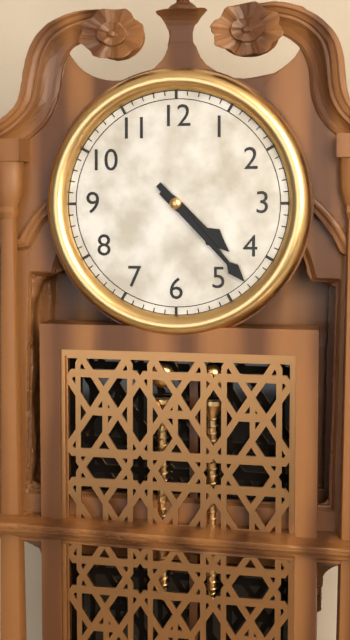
4 h 23 min
